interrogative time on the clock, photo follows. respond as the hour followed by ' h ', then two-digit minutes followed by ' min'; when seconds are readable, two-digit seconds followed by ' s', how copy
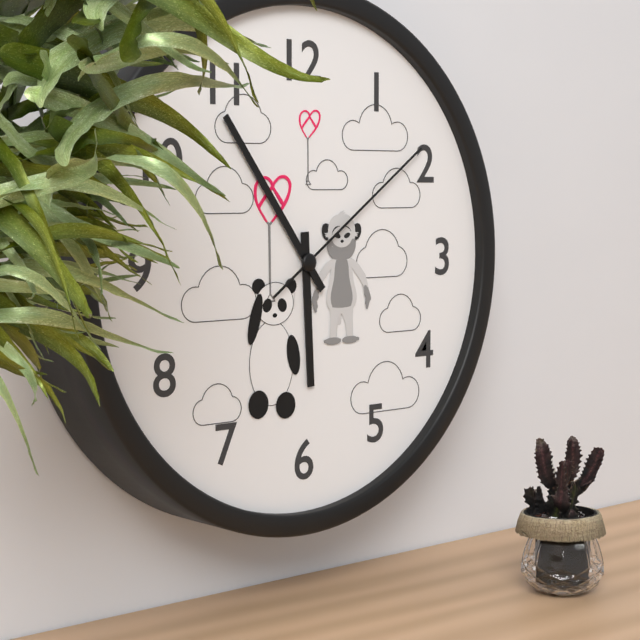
5 h 54 min 09 s
